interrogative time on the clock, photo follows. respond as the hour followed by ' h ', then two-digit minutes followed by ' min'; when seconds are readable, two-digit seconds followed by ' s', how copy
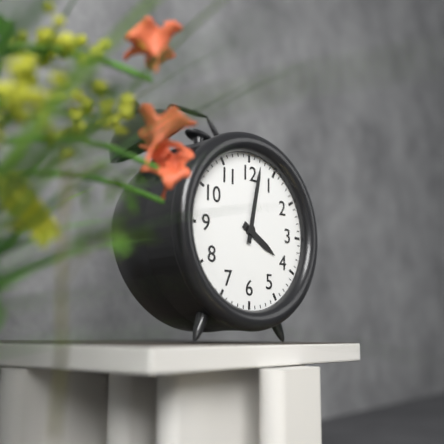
4 h 02 min
